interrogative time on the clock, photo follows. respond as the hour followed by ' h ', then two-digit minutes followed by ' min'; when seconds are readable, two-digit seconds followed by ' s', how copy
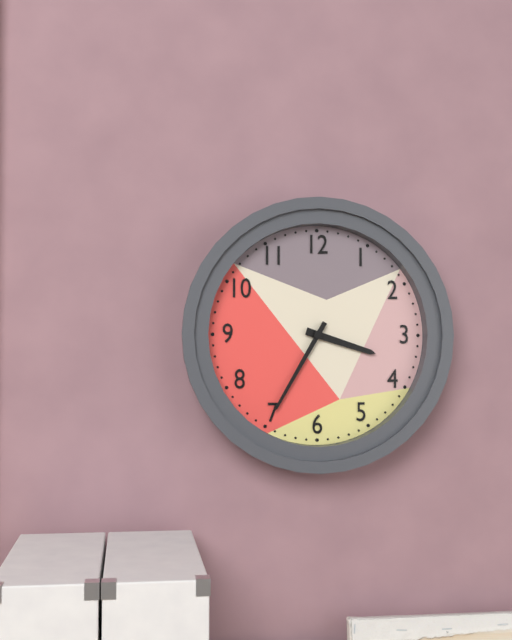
3 h 35 min
